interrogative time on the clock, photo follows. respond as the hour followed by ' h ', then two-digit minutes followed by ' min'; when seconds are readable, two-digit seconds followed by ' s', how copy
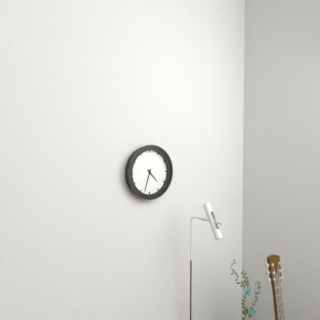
4 h 33 min
